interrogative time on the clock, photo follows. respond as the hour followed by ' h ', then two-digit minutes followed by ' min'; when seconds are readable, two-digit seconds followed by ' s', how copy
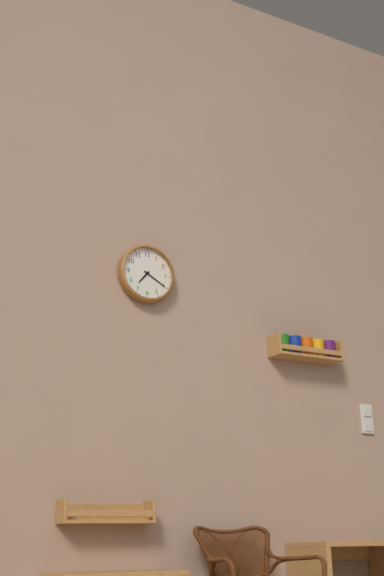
7 h 20 min
